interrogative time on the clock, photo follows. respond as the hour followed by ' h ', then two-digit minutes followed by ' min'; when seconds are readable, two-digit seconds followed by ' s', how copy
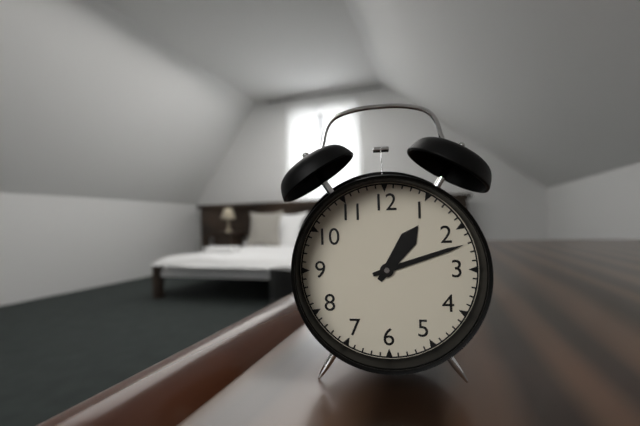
1 h 12 min
